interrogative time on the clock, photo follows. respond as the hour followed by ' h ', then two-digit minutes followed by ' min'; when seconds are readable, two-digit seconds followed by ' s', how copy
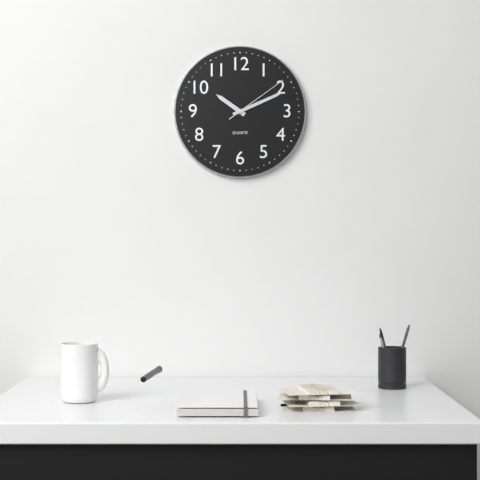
10 h 11 min 09 s
